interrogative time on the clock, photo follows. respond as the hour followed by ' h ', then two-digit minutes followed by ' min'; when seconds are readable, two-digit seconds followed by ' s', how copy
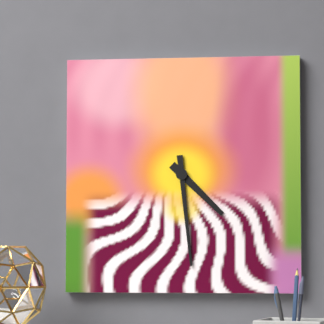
4 h 29 min
